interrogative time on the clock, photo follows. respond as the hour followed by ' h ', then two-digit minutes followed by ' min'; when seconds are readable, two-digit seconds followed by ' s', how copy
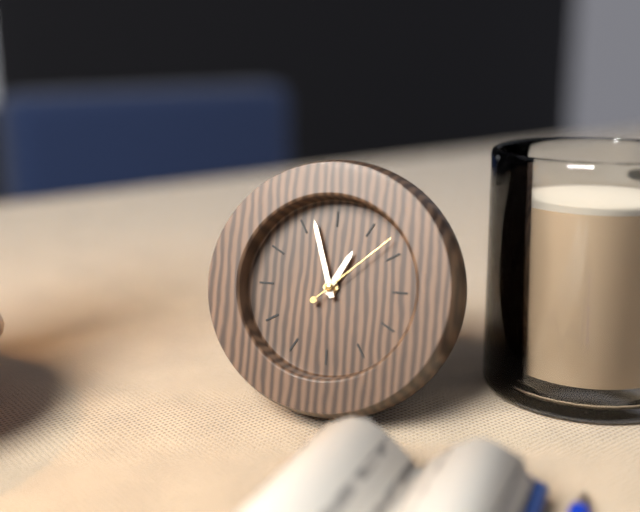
12 h 57 min 08 s
